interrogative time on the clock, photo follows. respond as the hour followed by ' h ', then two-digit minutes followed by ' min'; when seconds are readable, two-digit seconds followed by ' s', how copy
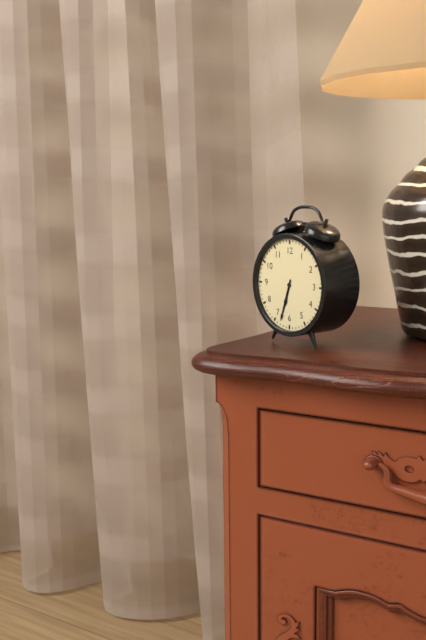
6 h 33 min
